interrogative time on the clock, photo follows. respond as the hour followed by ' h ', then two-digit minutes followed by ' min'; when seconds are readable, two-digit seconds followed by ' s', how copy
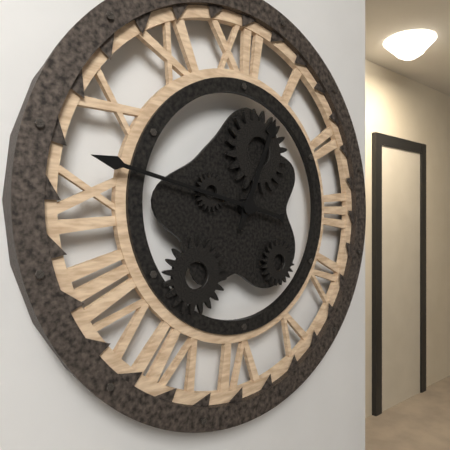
12 h 47 min
